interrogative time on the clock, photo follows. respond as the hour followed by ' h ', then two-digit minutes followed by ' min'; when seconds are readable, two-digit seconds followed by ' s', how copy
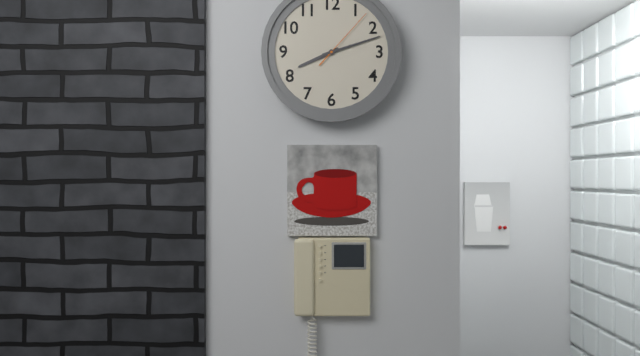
8 h 12 min 07 s
